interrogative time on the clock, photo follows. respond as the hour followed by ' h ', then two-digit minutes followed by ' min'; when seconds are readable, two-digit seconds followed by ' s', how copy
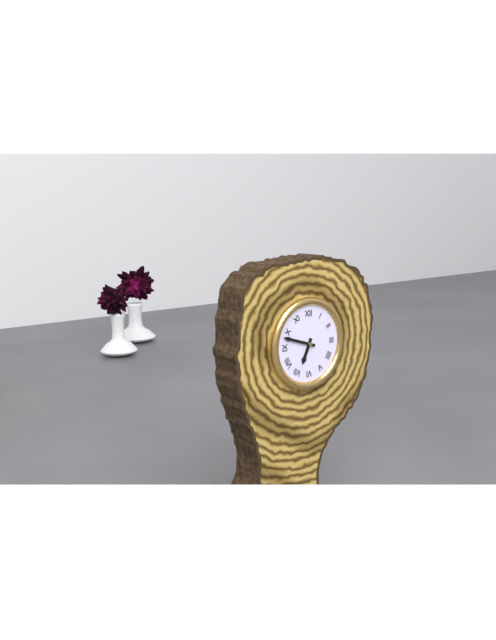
6 h 48 min
